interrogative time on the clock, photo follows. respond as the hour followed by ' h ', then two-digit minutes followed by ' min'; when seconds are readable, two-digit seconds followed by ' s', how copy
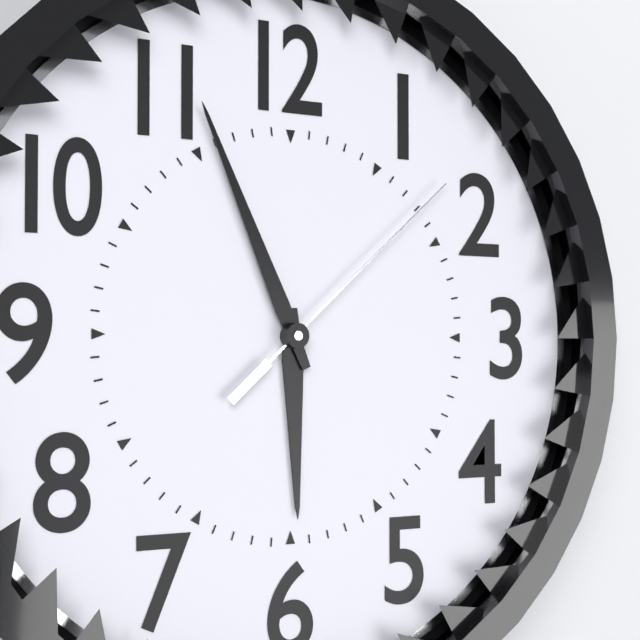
5 h 56 min 08 s
